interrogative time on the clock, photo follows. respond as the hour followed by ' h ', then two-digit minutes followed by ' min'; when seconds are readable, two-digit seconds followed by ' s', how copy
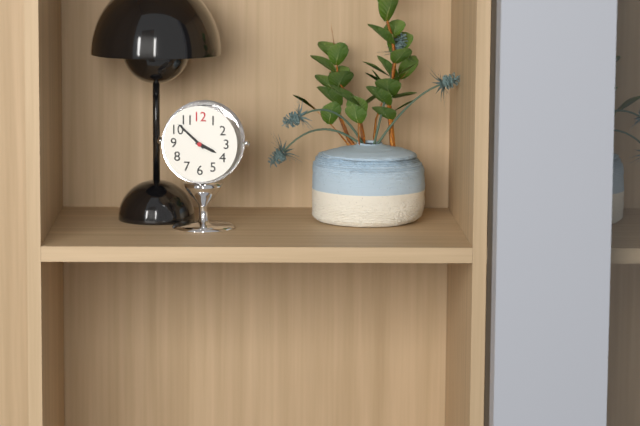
3 h 52 min
